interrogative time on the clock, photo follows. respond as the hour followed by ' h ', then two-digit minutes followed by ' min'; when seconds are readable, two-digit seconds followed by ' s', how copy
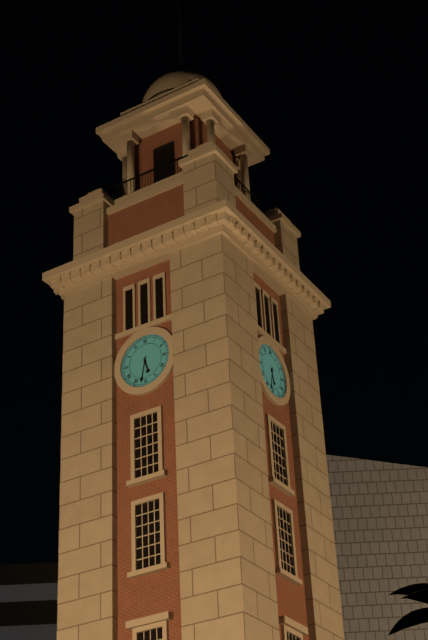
5 h 32 min
